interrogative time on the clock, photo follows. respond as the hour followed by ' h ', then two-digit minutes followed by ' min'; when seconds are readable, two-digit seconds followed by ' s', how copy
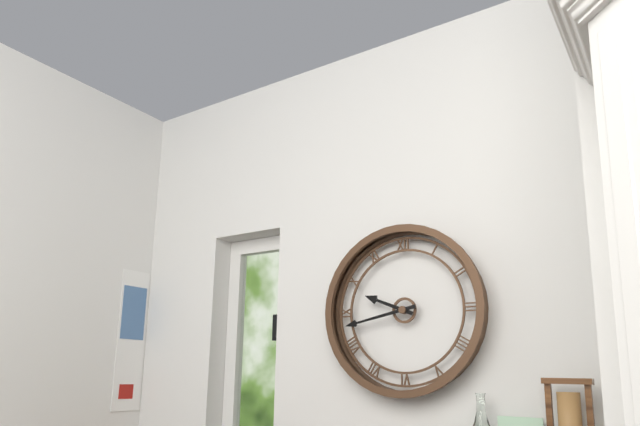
9 h 43 min
